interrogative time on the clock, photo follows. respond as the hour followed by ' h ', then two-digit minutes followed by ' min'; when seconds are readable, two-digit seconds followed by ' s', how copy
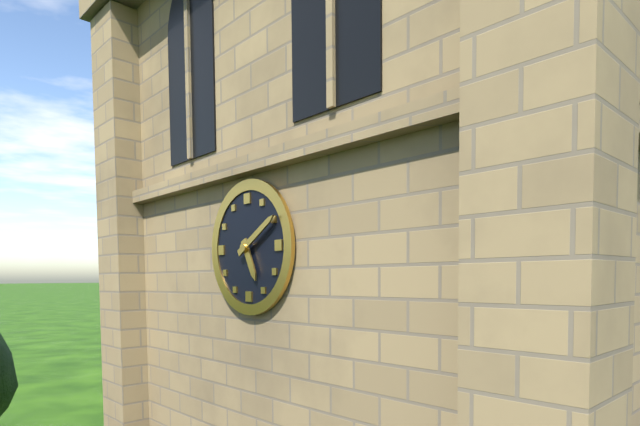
5 h 10 min
